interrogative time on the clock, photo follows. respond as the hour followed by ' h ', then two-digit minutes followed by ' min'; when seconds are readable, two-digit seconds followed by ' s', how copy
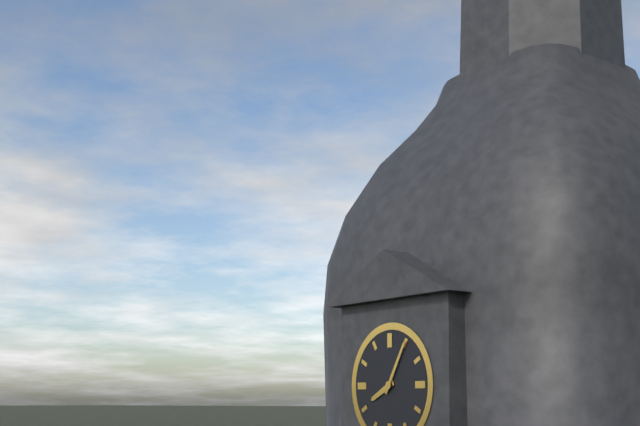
8 h 05 min
